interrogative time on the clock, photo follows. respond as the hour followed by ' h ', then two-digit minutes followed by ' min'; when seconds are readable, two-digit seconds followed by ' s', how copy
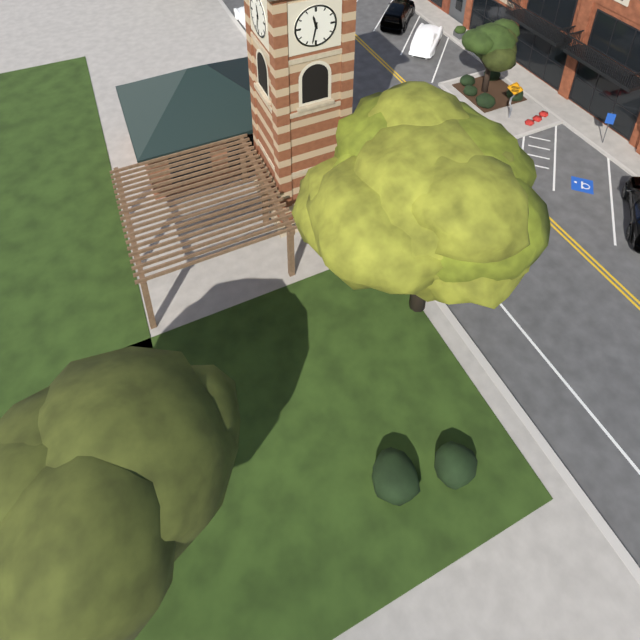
11 h 32 min
